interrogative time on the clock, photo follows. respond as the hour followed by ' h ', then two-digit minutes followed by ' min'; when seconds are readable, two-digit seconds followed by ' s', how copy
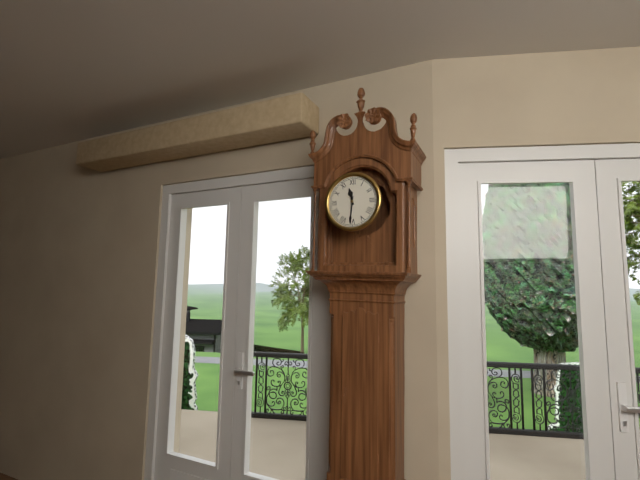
11 h 31 min
